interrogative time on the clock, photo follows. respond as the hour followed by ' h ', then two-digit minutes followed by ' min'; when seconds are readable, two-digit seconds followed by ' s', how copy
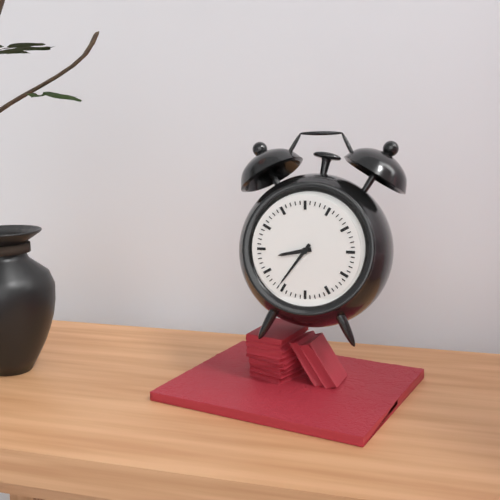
8 h 36 min
